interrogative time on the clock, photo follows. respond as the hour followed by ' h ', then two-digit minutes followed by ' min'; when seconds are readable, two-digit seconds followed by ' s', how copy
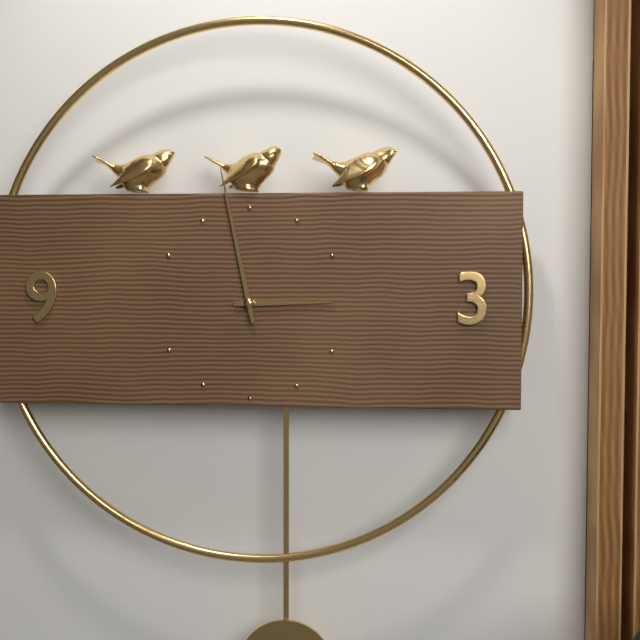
2 h 58 min
